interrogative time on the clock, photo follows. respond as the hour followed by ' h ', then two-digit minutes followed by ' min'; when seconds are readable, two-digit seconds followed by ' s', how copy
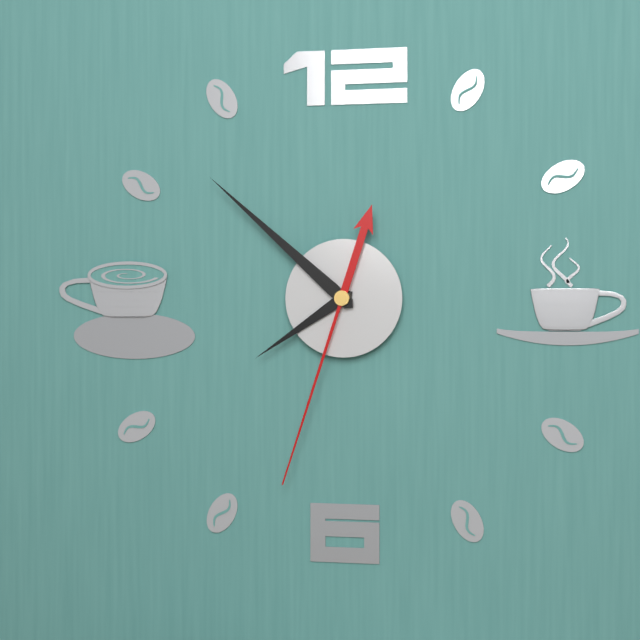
7 h 52 min 33 s
